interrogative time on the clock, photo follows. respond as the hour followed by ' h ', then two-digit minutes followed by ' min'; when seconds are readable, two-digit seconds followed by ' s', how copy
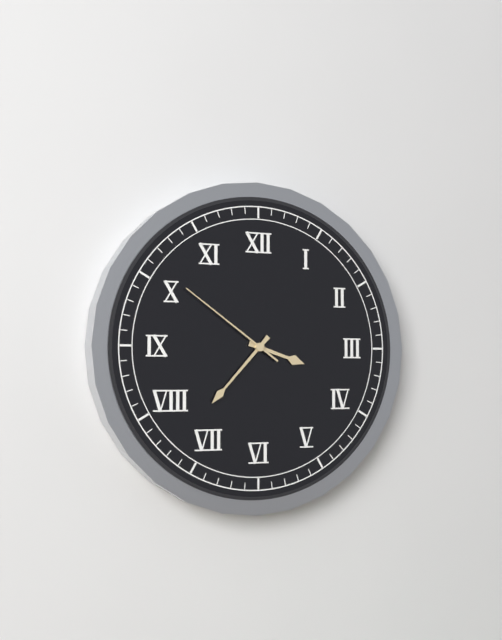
3 h 37 min 51 s
